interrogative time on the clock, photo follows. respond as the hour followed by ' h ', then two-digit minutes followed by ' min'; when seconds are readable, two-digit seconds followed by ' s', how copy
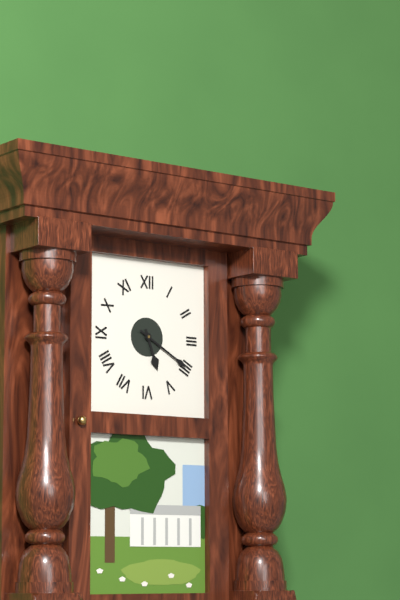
5 h 20 min
